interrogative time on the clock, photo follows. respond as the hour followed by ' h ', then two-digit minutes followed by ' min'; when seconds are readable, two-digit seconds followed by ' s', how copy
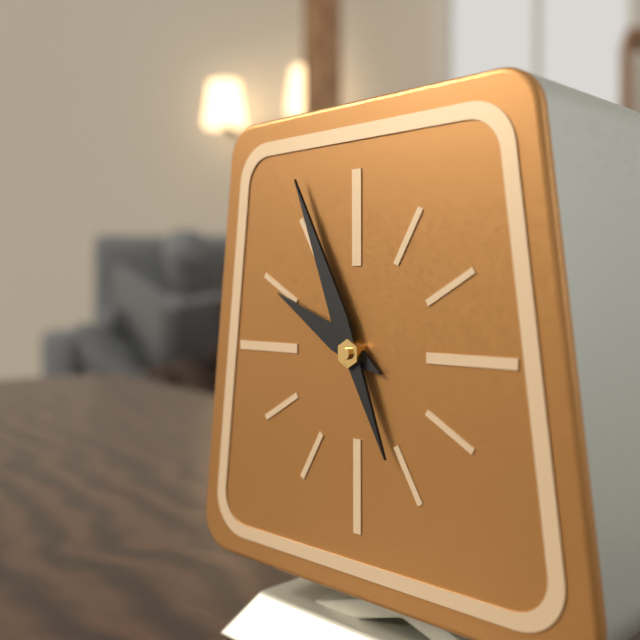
9 h 56 min
